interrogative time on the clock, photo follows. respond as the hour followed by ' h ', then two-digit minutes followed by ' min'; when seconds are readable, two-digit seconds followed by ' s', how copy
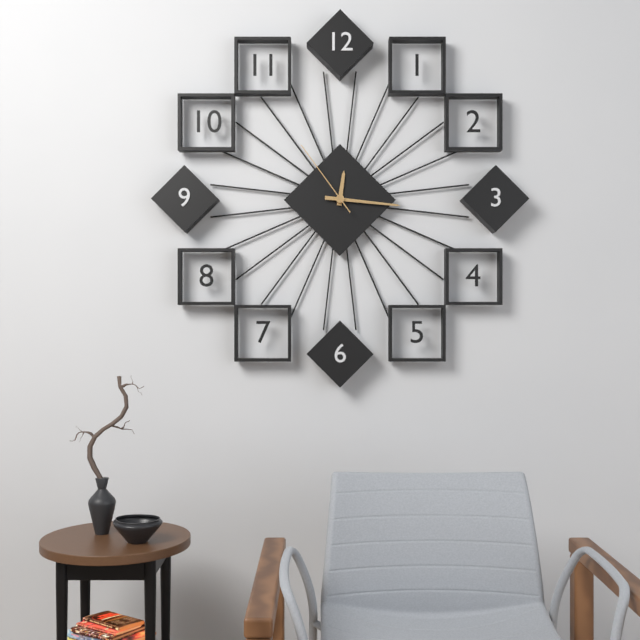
12 h 16 min 54 s
